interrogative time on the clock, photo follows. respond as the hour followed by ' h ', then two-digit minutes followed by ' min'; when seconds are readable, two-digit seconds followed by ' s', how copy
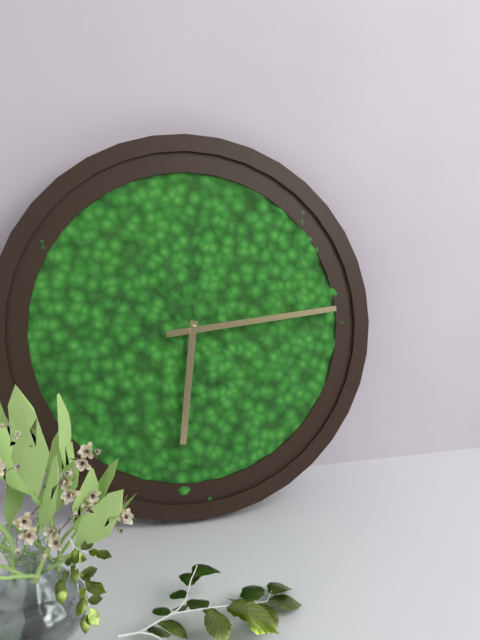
6 h 14 min
